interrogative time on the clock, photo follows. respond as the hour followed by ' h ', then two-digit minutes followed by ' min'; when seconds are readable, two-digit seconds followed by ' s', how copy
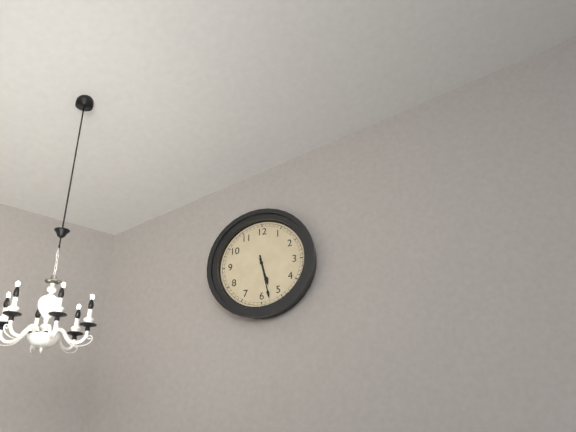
5 h 28 min
